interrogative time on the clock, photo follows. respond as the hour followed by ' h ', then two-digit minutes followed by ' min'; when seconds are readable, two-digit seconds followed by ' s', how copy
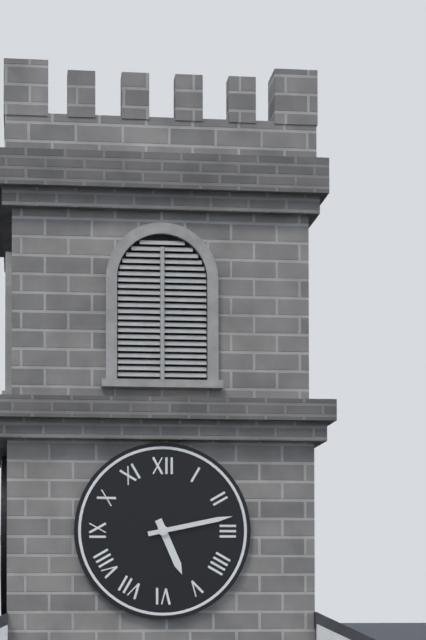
5 h 13 min
